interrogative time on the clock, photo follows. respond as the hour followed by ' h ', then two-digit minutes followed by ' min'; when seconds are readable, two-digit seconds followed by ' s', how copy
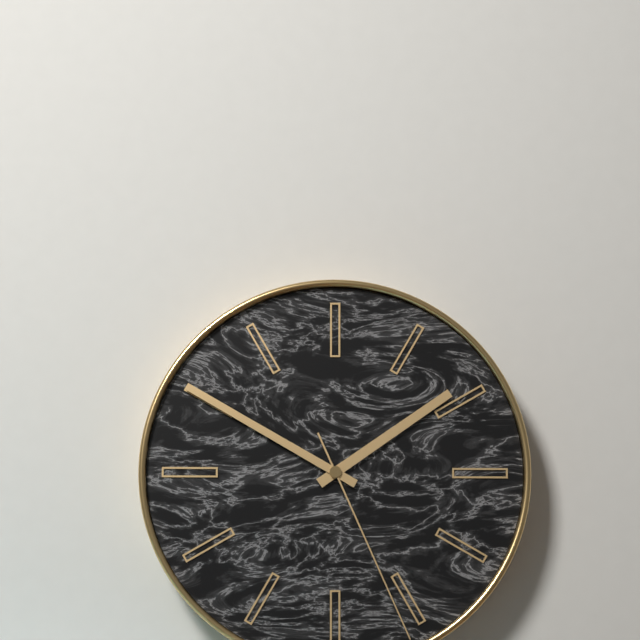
1 h 50 min 26 s
